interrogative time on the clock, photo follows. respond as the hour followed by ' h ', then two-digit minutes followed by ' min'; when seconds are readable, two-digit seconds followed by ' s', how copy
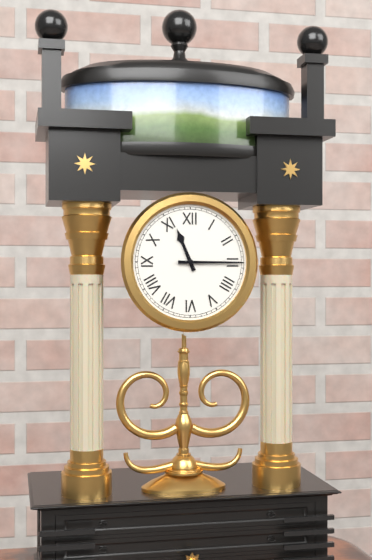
11 h 15 min
